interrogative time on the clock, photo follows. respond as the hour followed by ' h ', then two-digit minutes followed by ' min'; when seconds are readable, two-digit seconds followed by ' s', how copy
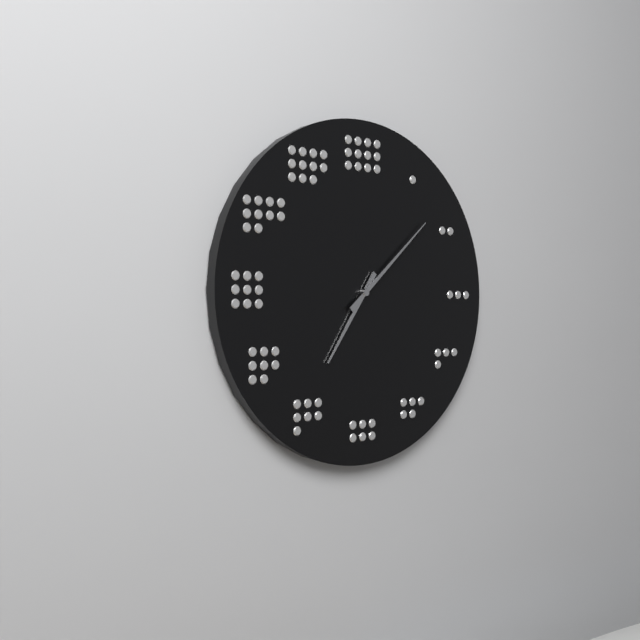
7 h 08 min
